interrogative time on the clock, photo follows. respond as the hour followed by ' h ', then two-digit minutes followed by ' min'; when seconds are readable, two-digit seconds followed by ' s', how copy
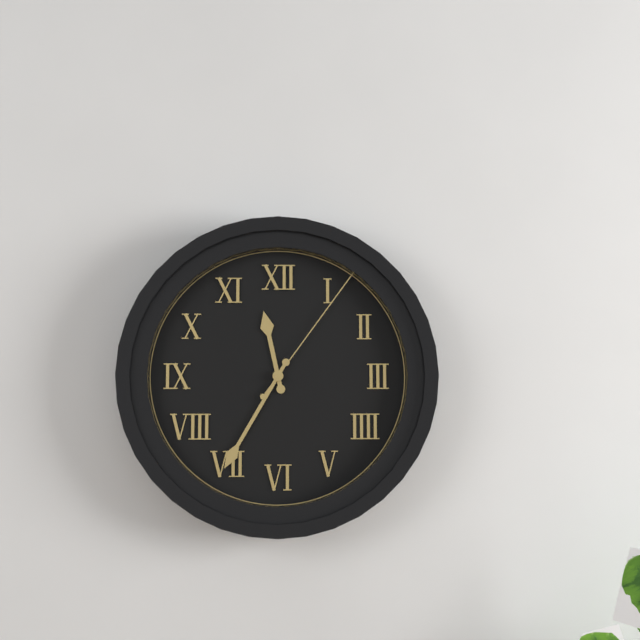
11 h 35 min 06 s
